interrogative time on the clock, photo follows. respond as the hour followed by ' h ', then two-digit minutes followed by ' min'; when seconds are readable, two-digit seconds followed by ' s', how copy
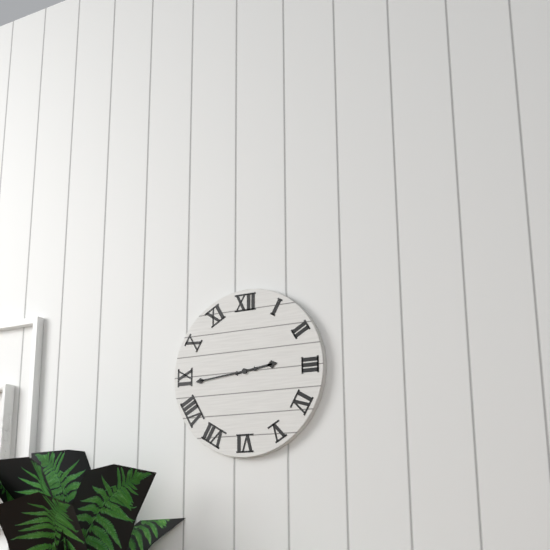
2 h 44 min
